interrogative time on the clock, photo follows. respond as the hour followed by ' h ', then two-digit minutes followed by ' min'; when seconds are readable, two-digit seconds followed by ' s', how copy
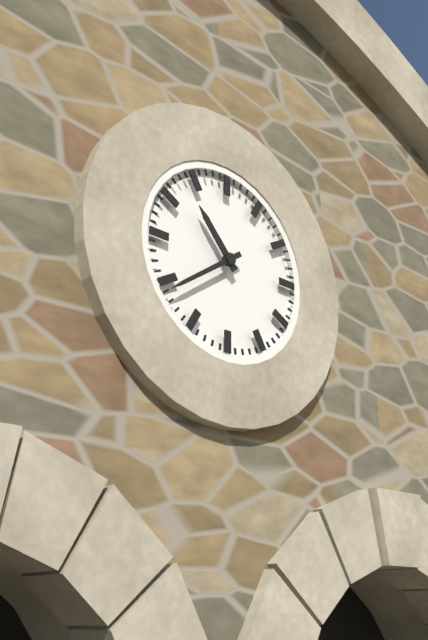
10 h 39 min
